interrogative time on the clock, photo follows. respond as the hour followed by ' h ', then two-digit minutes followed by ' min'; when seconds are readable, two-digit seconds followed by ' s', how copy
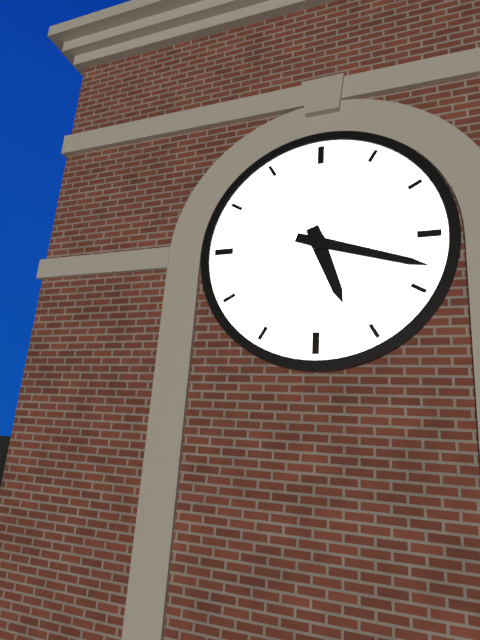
5 h 18 min
